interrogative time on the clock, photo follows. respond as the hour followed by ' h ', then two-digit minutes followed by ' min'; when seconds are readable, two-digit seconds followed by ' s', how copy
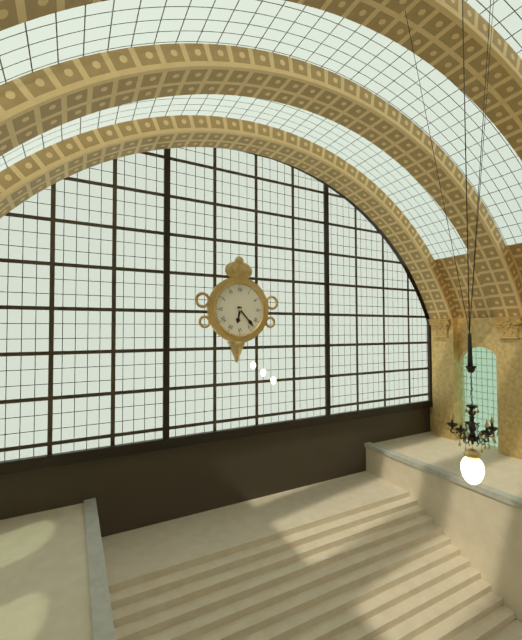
6 h 23 min
